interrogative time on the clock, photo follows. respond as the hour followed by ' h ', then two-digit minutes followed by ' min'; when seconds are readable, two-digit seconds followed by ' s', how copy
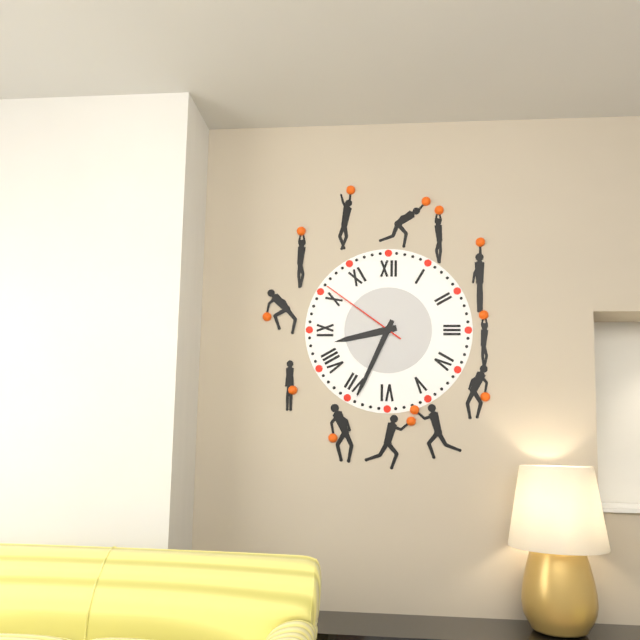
8 h 34 min 51 s
